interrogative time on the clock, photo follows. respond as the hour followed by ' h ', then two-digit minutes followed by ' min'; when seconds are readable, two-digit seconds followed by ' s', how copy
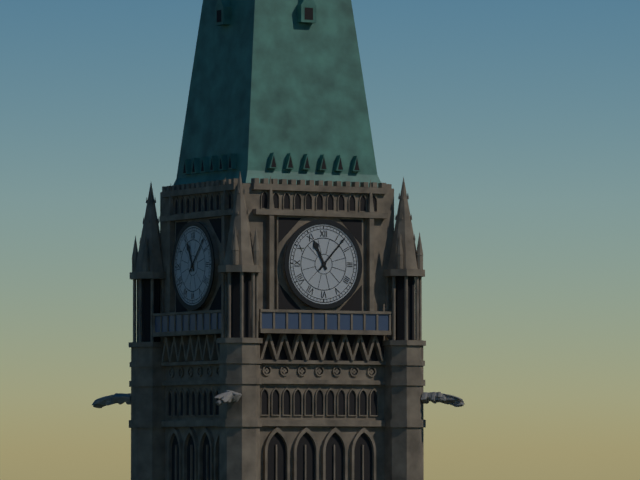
11 h 07 min
